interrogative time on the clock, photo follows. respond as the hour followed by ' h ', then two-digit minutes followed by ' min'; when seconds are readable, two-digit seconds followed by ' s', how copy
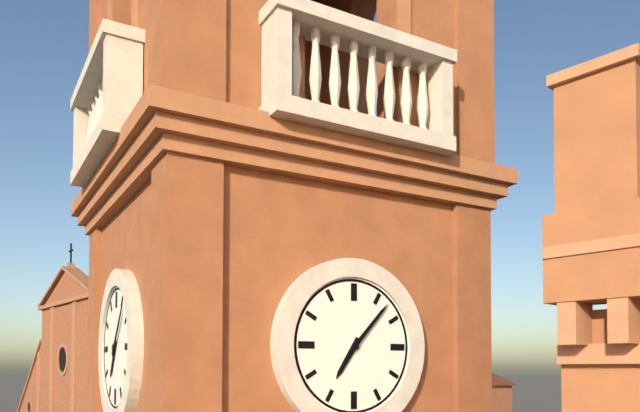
7 h 07 min
